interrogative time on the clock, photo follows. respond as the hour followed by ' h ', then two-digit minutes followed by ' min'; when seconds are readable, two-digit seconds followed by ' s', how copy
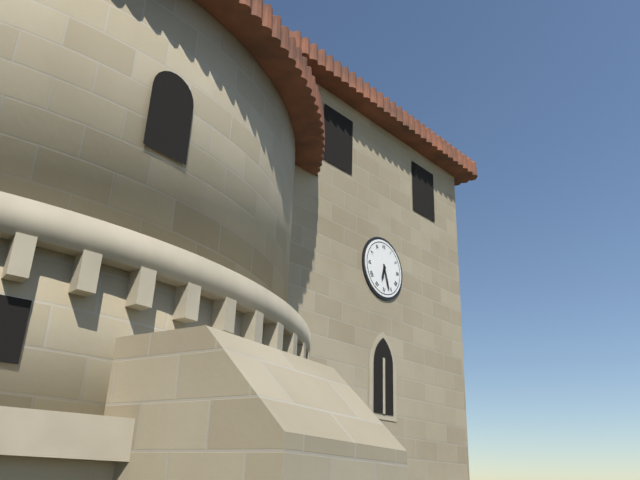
6 h 27 min
